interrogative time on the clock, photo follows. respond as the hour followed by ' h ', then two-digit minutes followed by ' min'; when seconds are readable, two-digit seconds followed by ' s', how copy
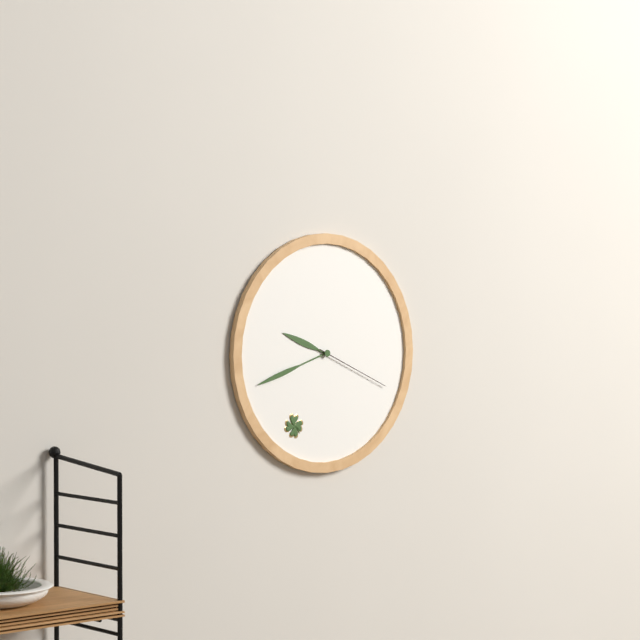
9 h 42 min 19 s
